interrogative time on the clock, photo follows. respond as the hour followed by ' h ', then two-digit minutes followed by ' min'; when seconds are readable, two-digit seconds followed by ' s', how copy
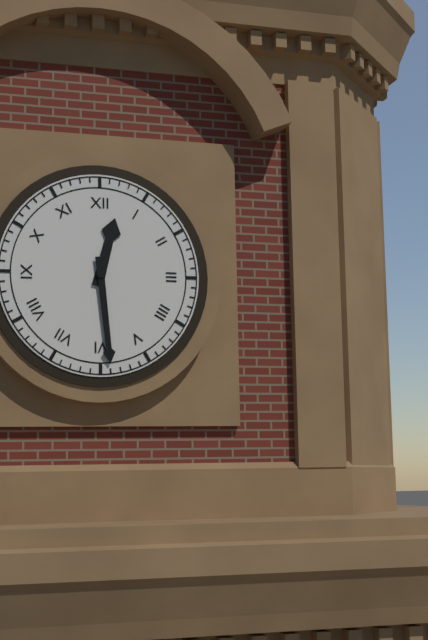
12 h 29 min
